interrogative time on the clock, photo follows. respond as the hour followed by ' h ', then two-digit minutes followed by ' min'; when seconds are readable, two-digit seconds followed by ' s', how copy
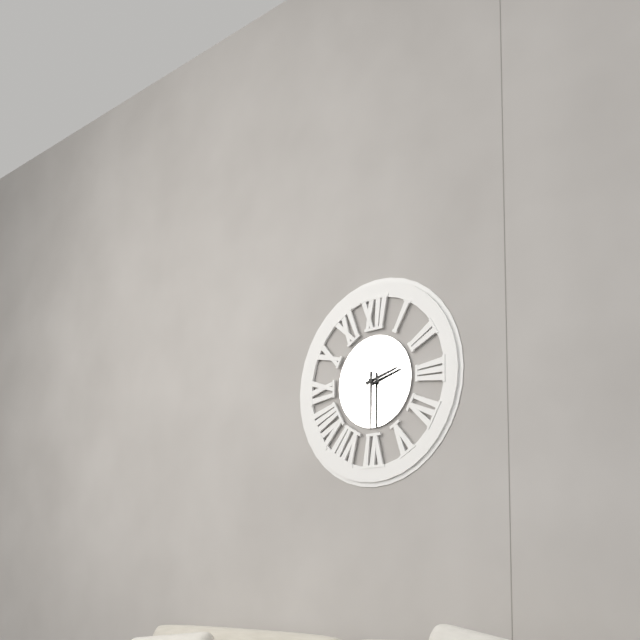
2 h 30 min
